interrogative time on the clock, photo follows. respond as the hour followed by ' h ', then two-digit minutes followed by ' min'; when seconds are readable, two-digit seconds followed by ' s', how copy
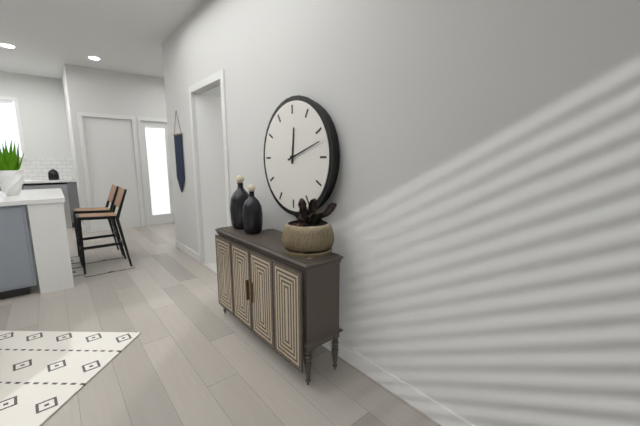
12 h 12 min
